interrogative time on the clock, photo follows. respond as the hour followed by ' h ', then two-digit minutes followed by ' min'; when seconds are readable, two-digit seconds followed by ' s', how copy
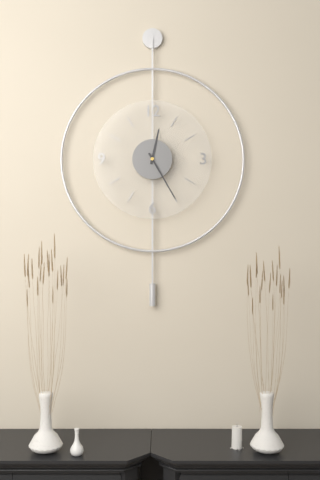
12 h 25 min
